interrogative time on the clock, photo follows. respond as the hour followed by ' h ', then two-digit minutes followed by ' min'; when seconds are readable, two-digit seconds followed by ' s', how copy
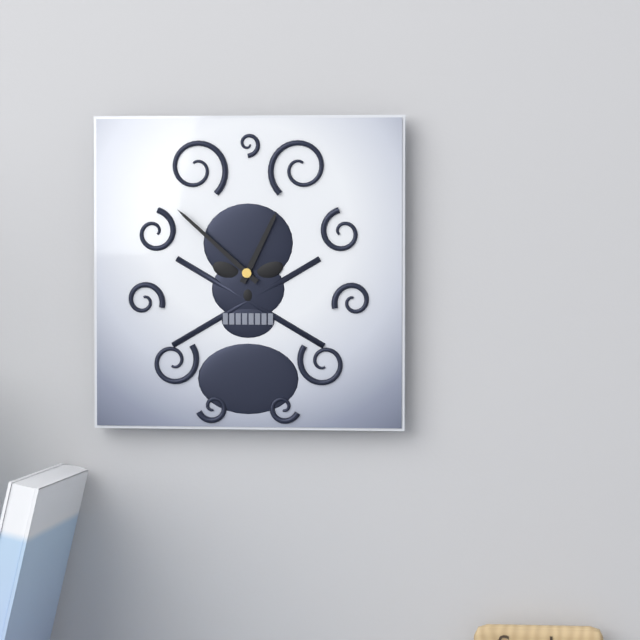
12 h 52 min
